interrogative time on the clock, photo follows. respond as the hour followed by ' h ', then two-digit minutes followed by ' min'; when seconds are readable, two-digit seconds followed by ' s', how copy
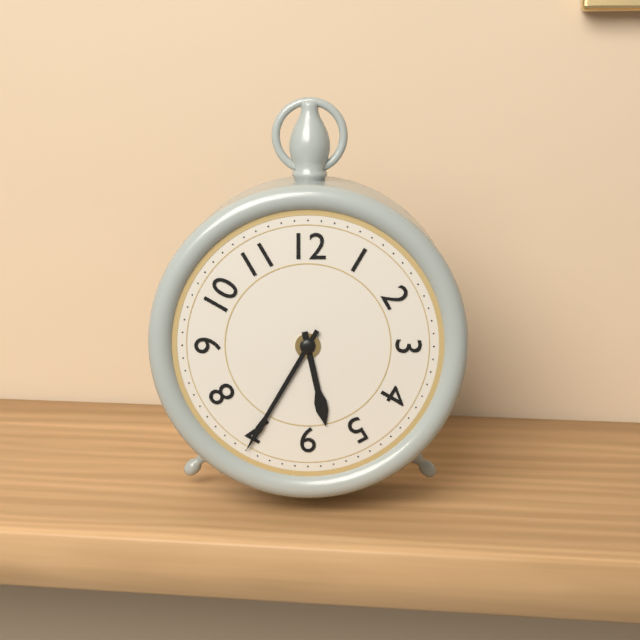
5 h 35 min
